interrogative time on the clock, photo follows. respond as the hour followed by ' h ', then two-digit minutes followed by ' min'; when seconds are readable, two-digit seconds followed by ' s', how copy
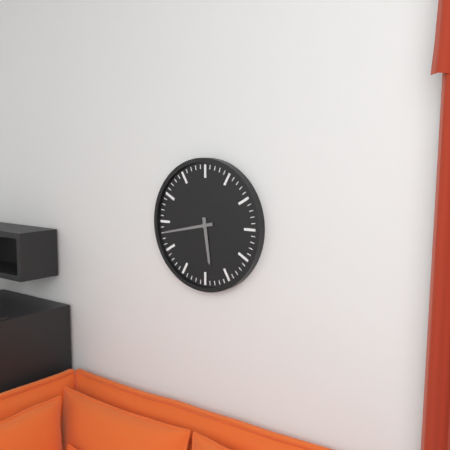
5 h 43 min
